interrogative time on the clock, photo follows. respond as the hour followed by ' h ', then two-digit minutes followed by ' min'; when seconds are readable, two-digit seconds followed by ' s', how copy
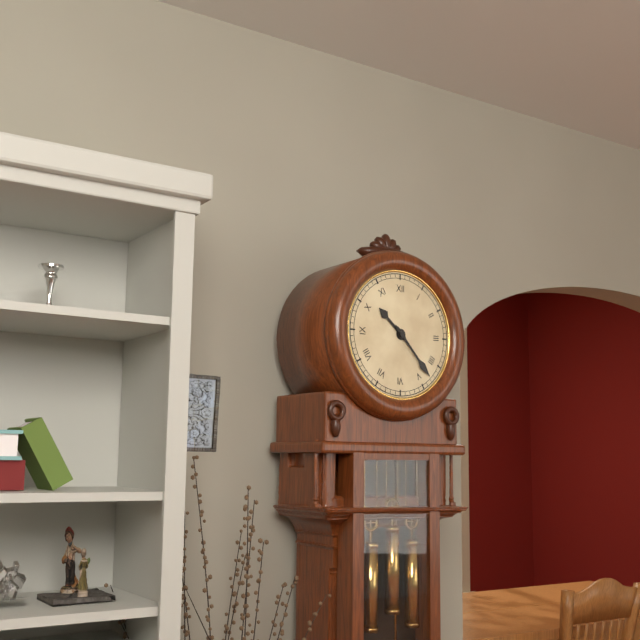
10 h 23 min
